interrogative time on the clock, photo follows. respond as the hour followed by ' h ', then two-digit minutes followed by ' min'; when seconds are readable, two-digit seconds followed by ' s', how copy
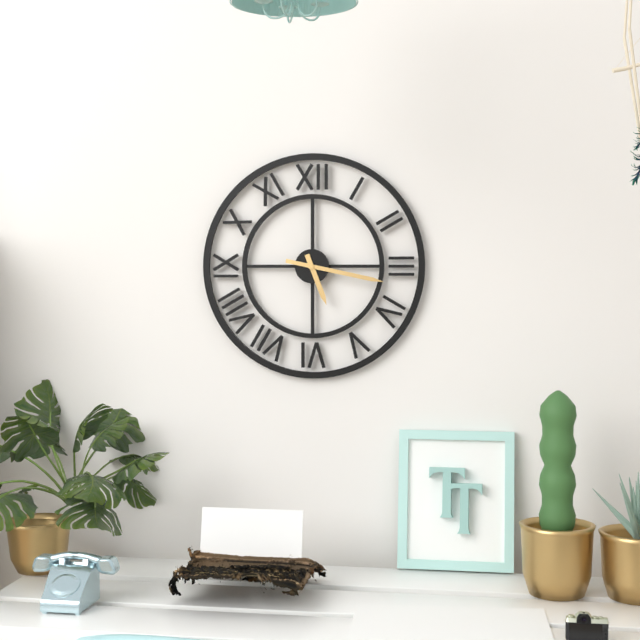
5 h 17 min
